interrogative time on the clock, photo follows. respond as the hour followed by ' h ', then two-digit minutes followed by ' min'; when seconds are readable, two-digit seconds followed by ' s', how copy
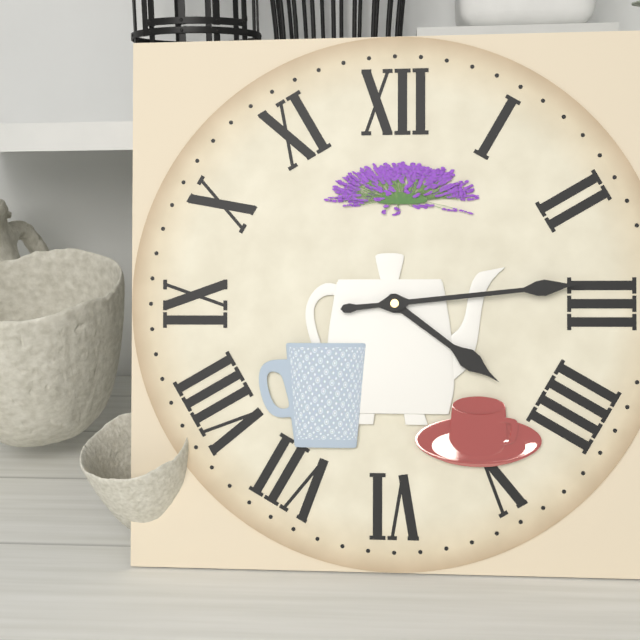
4 h 14 min
